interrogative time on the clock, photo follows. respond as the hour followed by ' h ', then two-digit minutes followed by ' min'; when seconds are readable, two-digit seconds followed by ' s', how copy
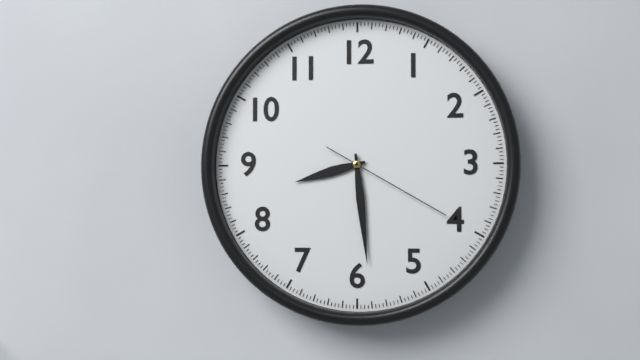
8 h 29 min 20 s
